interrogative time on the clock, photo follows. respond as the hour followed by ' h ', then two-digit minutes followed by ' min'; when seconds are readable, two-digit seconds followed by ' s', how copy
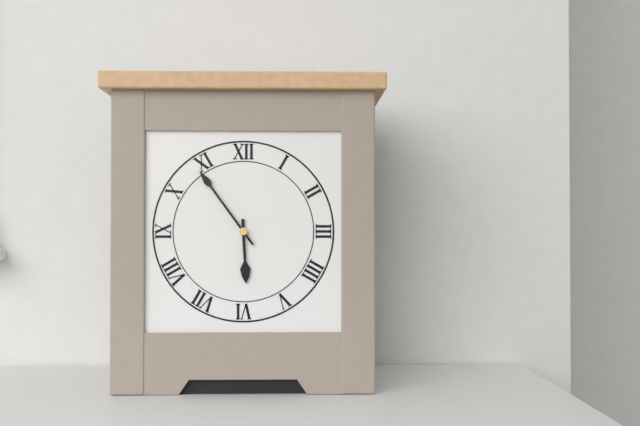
5 h 54 min
